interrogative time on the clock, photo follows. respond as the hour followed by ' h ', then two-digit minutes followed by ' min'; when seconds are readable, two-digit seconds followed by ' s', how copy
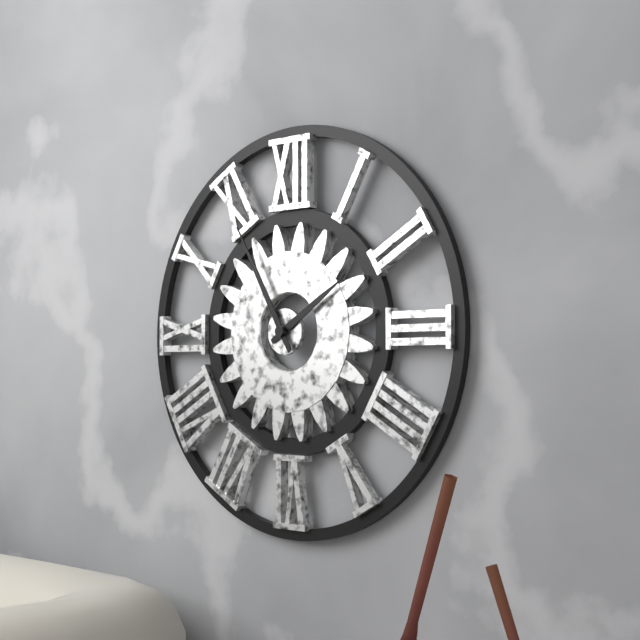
1 h 55 min
